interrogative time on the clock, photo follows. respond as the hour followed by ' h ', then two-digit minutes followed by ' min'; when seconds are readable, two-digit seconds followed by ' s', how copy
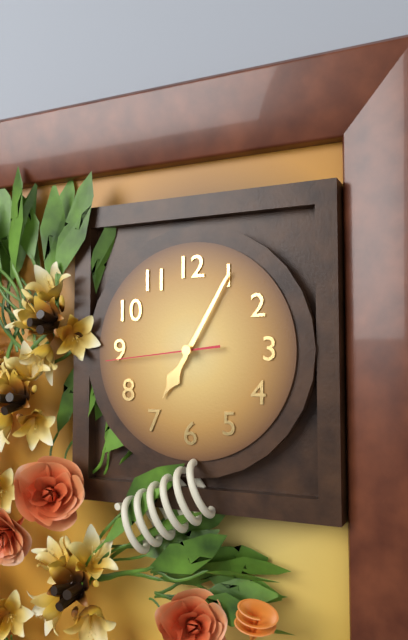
7 h 05 min 44 s
